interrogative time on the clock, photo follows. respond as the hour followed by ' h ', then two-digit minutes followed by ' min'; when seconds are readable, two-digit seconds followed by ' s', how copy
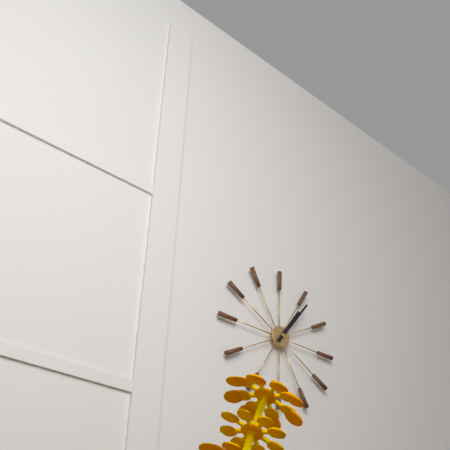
1 h 06 min
